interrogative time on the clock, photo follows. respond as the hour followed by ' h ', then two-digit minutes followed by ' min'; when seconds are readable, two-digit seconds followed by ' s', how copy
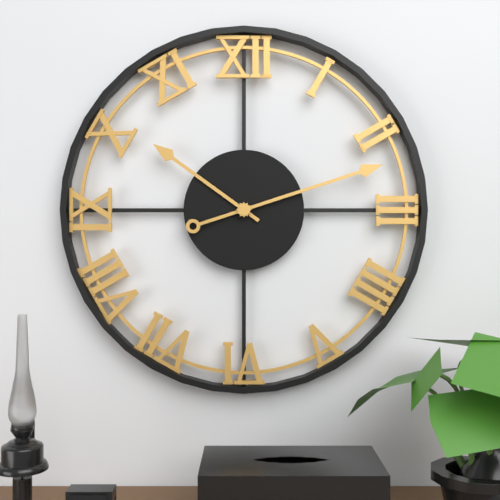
10 h 12 min
